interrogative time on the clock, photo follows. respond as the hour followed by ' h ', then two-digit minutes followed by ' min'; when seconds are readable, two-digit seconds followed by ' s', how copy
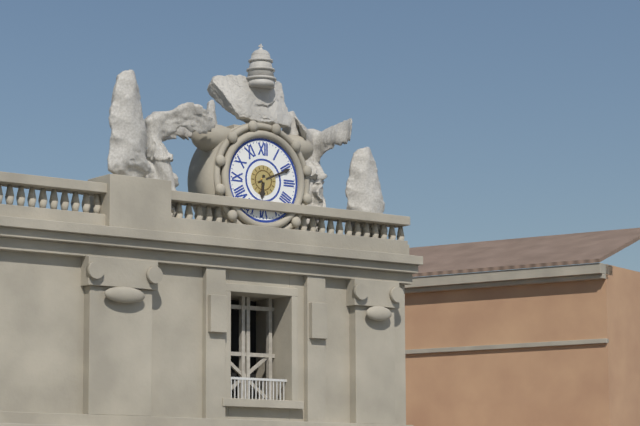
6 h 11 min
